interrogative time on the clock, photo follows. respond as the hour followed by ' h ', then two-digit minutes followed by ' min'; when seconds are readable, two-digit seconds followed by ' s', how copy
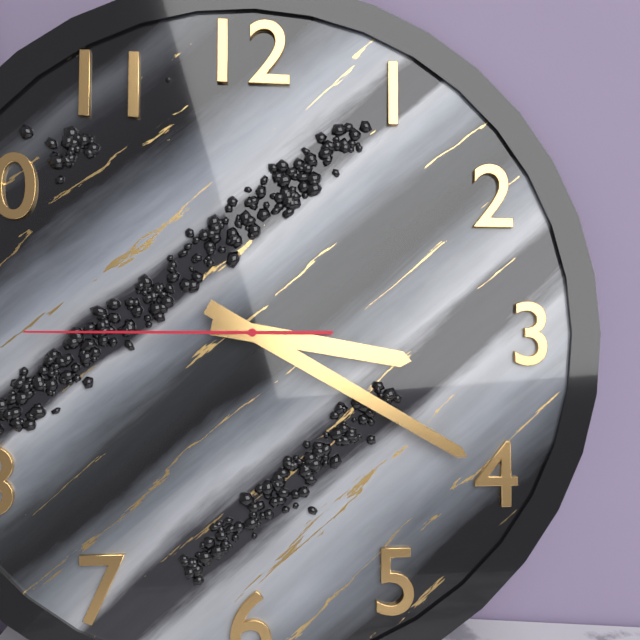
3 h 20 min 45 s
